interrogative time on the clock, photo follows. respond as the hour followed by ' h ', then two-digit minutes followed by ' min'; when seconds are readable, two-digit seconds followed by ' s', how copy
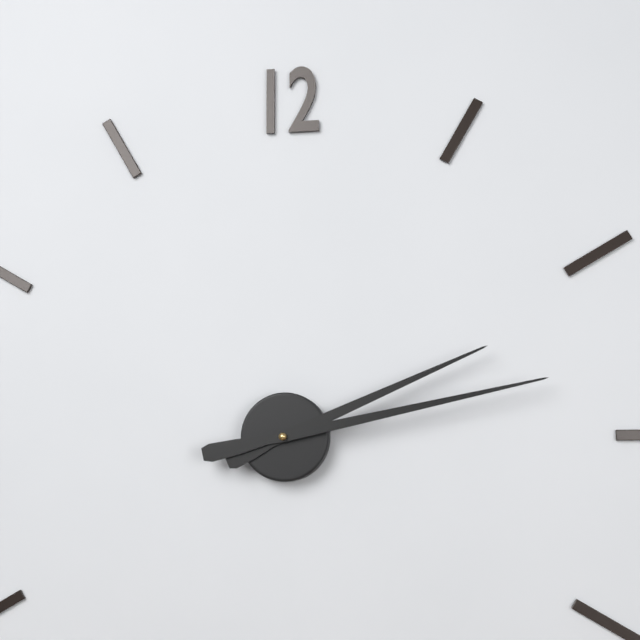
2 h 13 min
